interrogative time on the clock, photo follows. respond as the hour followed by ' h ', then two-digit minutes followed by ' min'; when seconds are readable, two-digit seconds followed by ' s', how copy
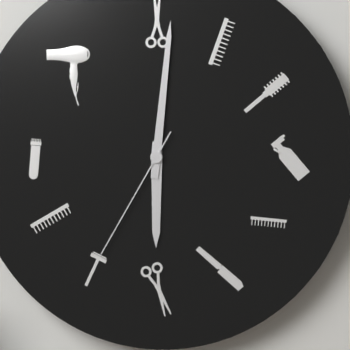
6 h 01 min 35 s
